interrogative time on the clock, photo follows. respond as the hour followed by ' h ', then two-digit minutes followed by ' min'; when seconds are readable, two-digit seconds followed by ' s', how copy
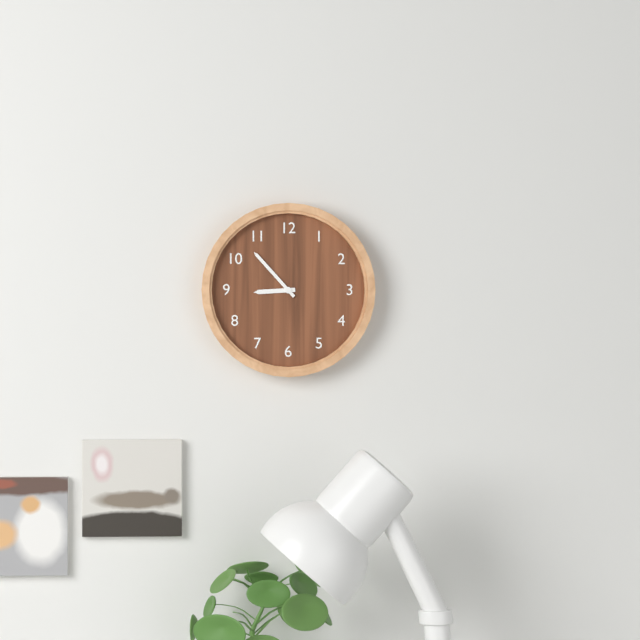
8 h 53 min
